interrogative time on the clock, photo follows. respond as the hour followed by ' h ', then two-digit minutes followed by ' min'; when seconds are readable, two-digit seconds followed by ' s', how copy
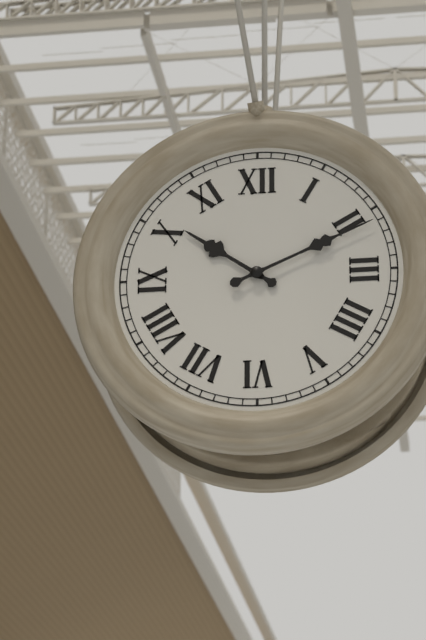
10 h 11 min
